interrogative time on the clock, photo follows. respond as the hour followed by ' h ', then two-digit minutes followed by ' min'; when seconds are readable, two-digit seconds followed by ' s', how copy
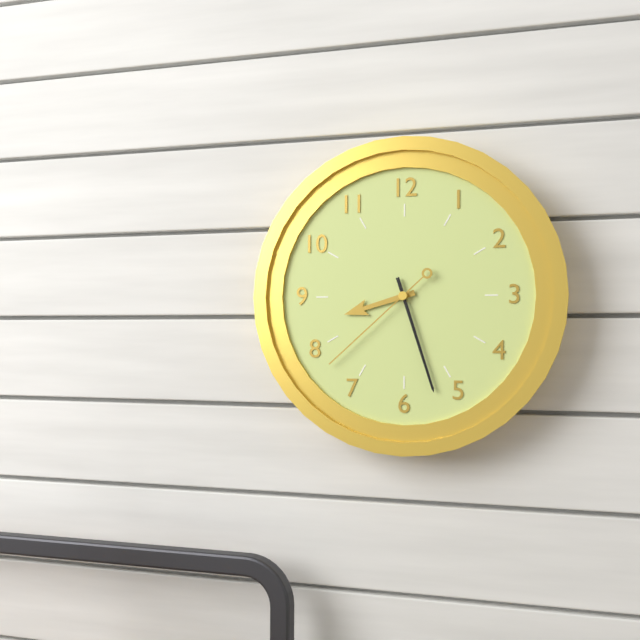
8 h 27 min 38 s
